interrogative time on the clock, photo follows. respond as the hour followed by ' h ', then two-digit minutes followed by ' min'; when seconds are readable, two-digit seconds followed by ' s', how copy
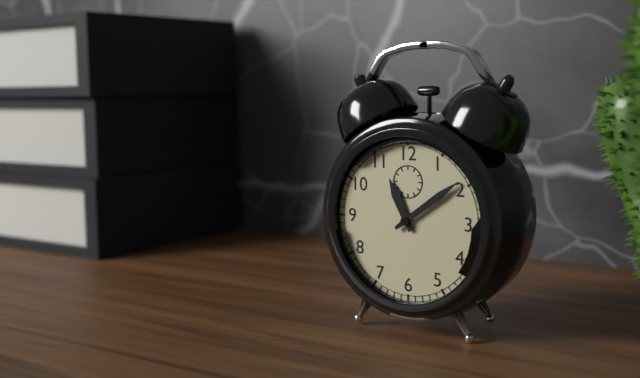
11 h 09 min
